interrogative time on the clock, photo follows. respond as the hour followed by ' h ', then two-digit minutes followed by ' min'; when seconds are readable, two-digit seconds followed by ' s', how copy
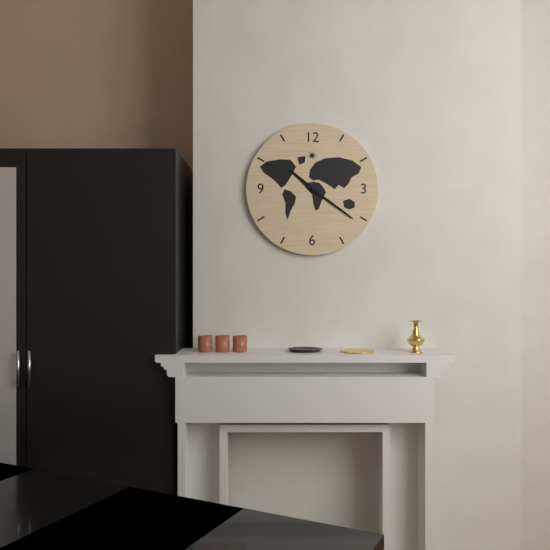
10 h 21 min
